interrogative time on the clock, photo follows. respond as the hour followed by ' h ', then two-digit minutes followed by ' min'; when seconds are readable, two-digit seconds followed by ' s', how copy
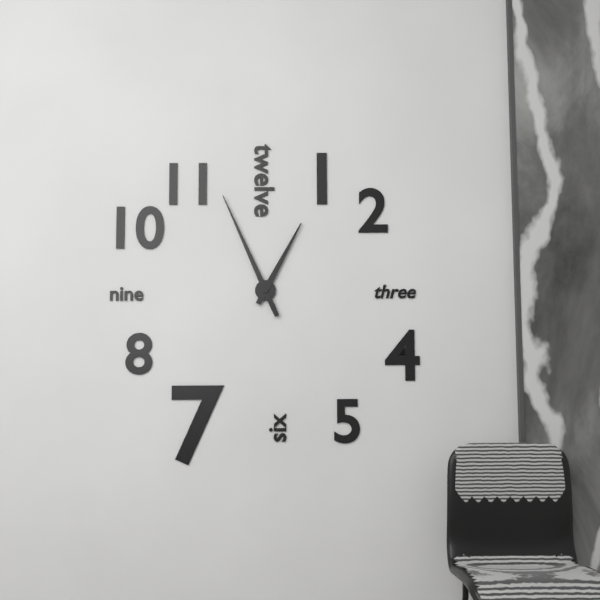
12 h 56 min
